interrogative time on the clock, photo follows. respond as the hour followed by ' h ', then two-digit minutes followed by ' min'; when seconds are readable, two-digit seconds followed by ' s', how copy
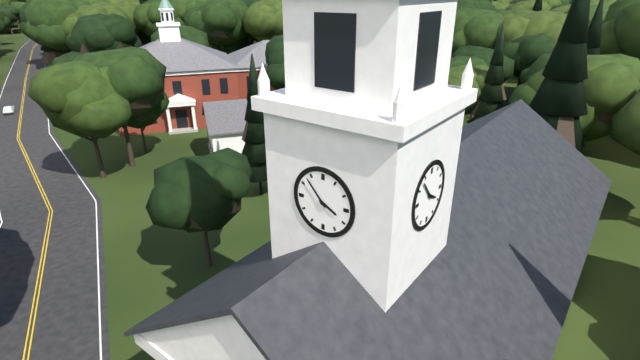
3 h 53 min
